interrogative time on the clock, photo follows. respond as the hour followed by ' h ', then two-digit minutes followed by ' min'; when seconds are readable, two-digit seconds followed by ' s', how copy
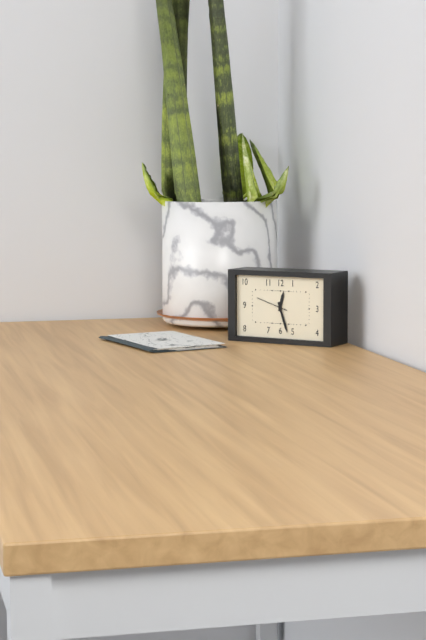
12 h 27 min
